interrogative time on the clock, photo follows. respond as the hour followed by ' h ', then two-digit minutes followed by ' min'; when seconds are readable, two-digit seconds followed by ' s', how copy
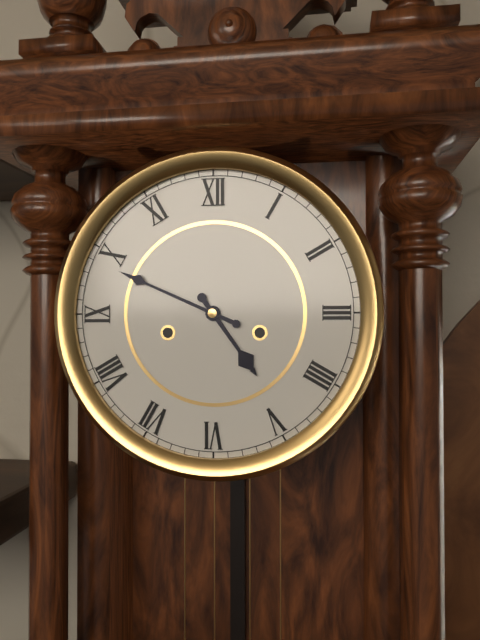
4 h 49 min
